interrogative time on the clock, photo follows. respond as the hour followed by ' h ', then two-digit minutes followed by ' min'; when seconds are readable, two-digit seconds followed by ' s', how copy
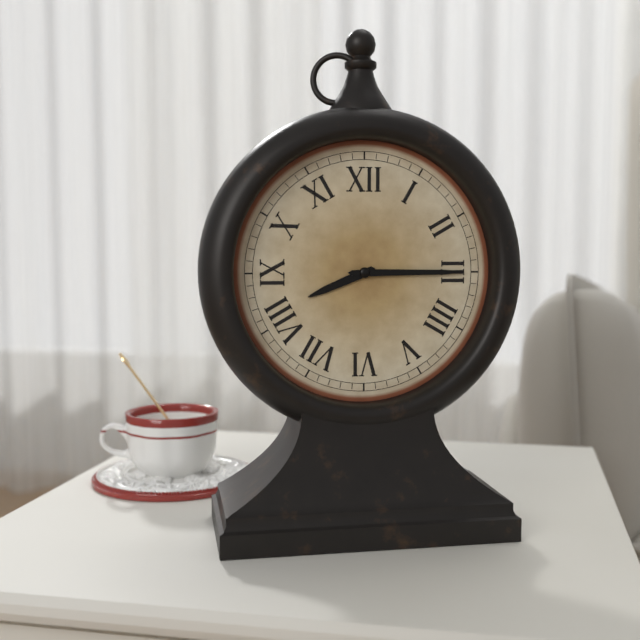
8 h 15 min
